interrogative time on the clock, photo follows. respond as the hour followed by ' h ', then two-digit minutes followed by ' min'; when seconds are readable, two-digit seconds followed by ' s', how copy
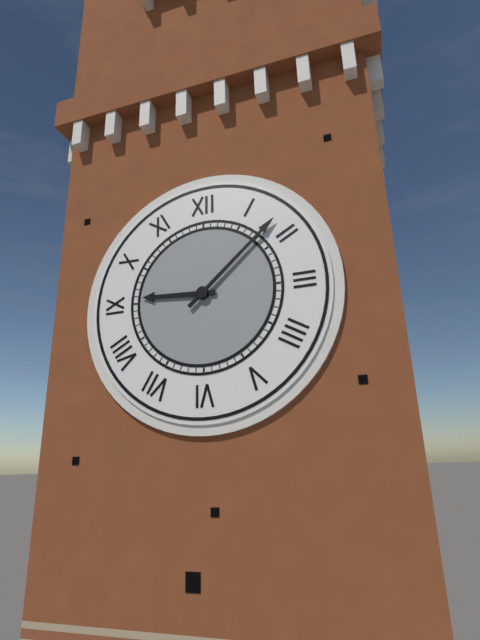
9 h 08 min
